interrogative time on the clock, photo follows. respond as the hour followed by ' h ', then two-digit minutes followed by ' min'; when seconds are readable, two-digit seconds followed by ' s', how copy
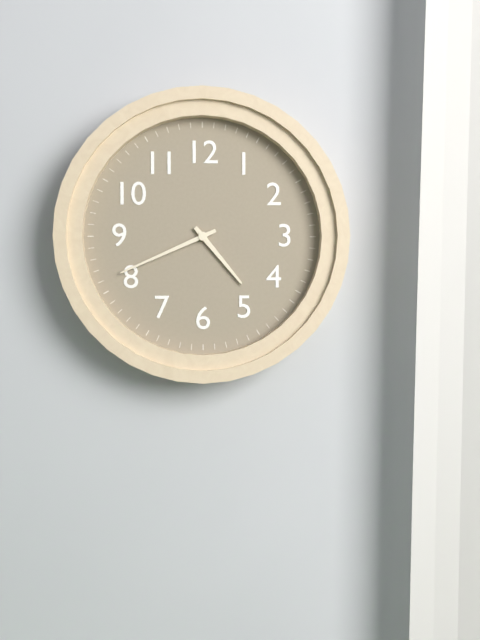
4 h 41 min
